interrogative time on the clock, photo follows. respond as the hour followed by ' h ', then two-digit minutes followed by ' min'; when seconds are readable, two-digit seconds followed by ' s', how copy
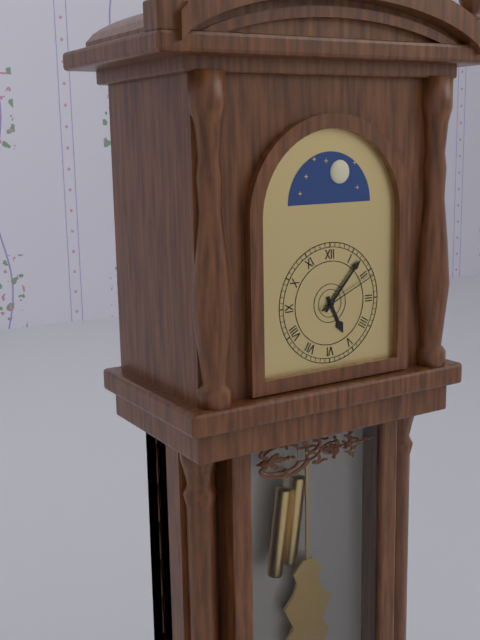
5 h 07 min 11 s
